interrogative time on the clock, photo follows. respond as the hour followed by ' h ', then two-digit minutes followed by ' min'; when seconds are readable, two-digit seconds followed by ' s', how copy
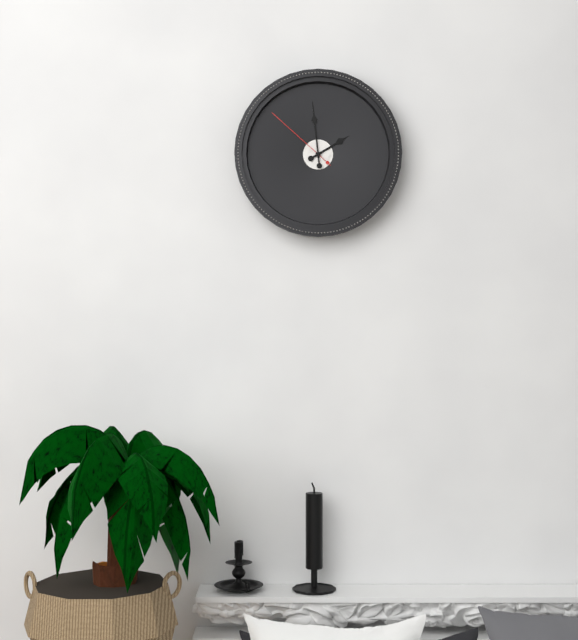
1 h 59 min 52 s
